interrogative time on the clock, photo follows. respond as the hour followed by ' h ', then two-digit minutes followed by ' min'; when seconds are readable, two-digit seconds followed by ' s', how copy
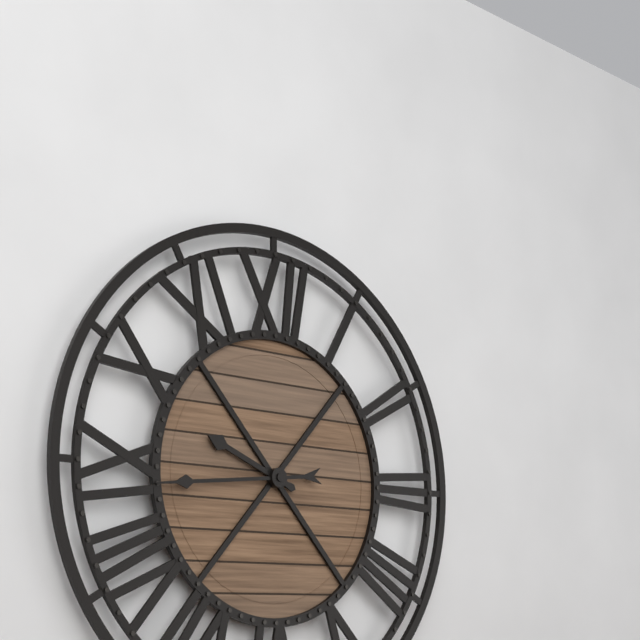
9 h 44 min
